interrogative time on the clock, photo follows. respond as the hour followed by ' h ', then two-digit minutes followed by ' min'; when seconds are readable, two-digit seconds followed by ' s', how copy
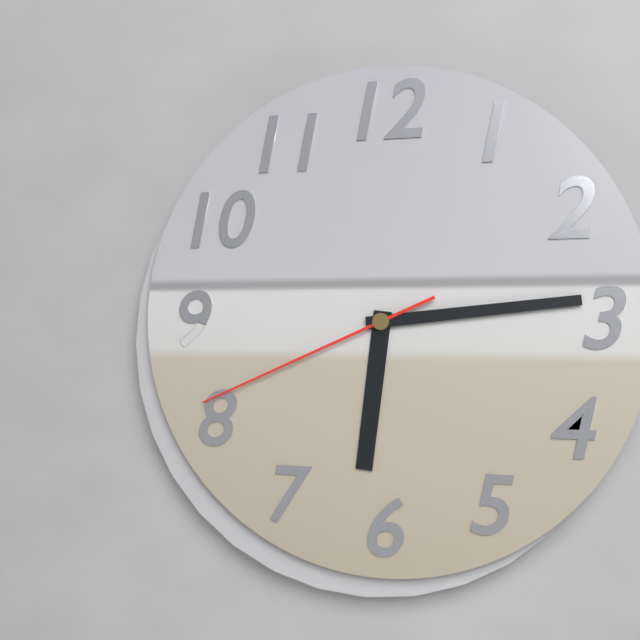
6 h 14 min 41 s
